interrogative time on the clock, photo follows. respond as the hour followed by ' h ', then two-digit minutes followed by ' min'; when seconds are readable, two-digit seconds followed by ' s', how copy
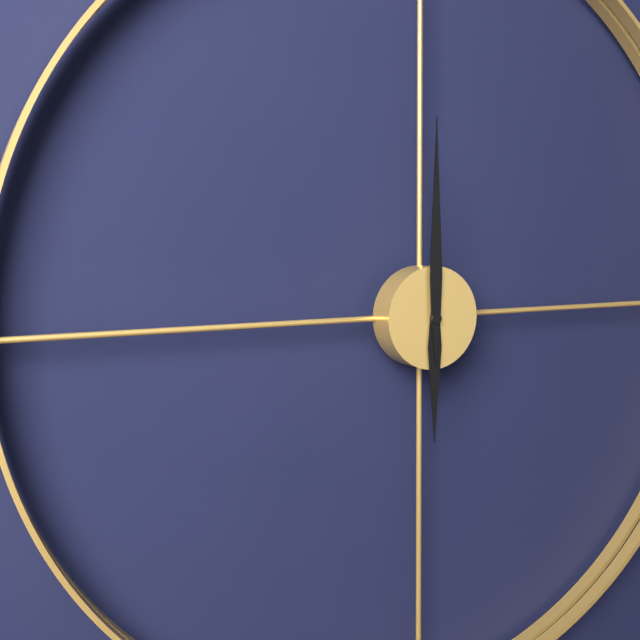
6 h 00 min
